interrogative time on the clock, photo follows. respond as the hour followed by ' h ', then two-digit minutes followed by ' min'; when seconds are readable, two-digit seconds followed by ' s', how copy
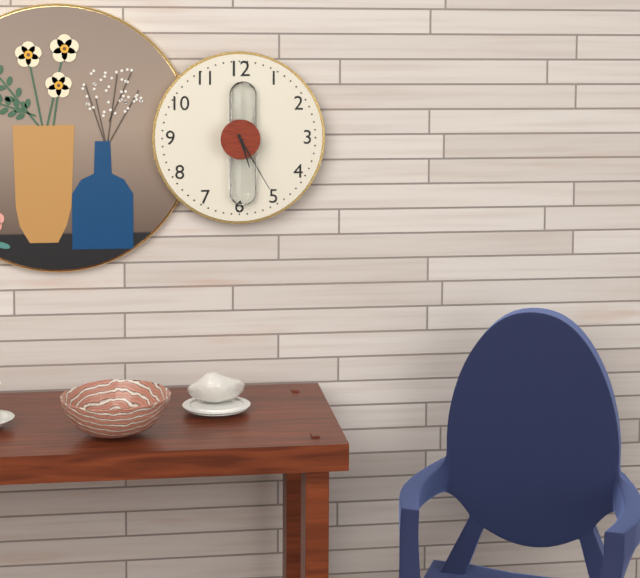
5 h 25 min
